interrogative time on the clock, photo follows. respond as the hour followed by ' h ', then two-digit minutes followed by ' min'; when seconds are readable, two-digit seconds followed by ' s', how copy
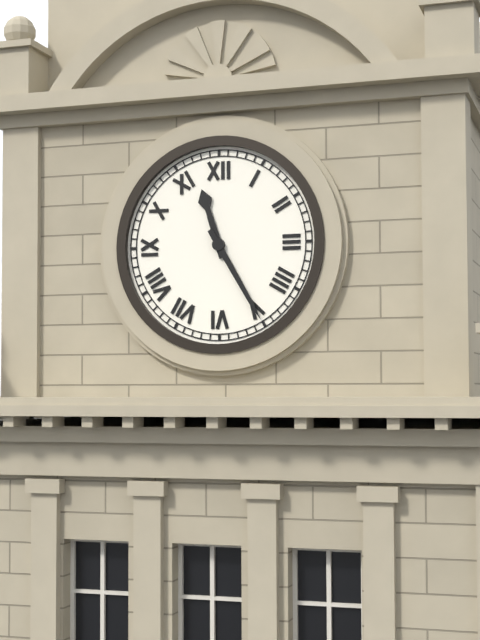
11 h 25 min
